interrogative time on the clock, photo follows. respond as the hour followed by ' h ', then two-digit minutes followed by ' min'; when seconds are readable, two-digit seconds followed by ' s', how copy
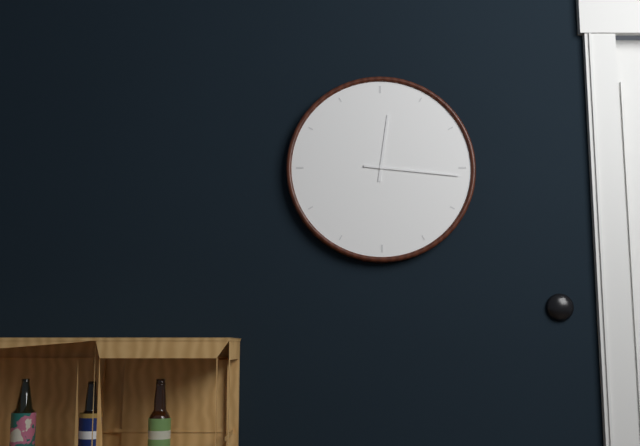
12 h 16 min
